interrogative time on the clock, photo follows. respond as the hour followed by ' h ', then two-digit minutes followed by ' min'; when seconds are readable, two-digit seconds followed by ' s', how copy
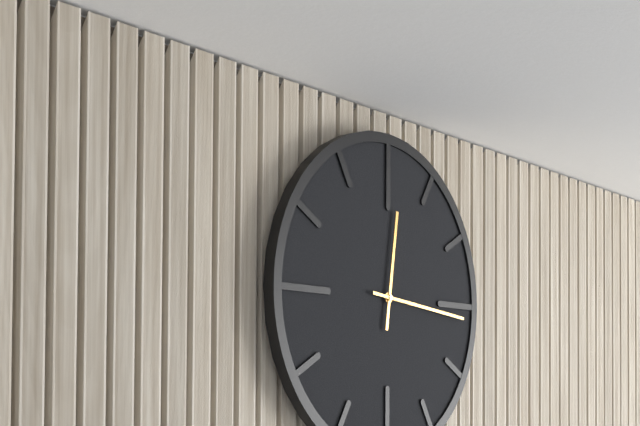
12 h 16 min
